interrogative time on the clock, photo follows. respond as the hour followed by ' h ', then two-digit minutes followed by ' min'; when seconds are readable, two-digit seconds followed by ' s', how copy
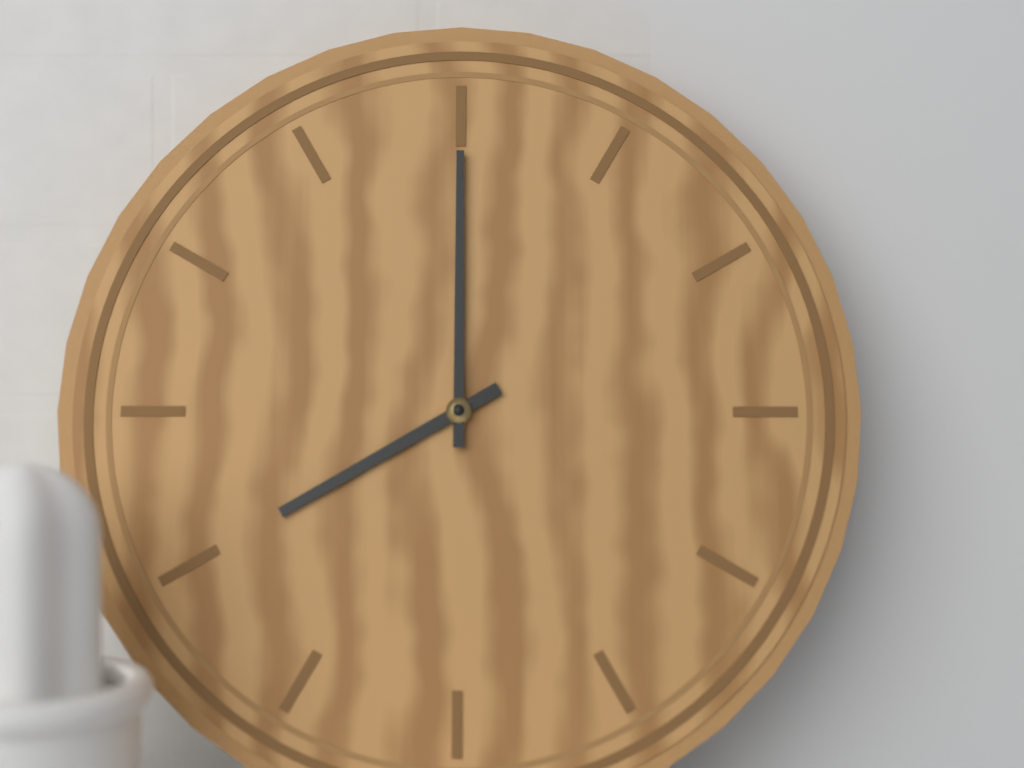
8 h 00 min
